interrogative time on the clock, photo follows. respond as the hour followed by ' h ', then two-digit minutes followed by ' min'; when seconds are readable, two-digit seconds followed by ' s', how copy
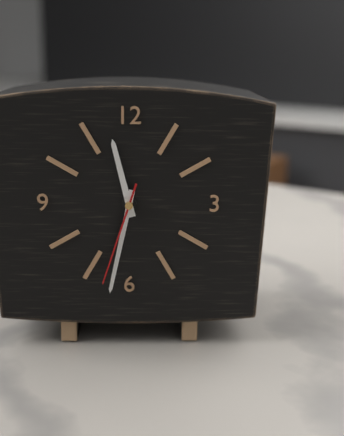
11 h 32 min 33 s
